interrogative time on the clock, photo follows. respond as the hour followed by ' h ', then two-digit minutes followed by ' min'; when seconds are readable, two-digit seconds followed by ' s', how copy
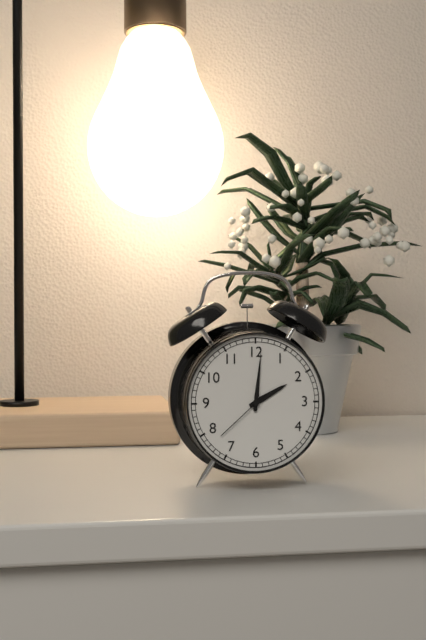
2 h 01 min 38 s
